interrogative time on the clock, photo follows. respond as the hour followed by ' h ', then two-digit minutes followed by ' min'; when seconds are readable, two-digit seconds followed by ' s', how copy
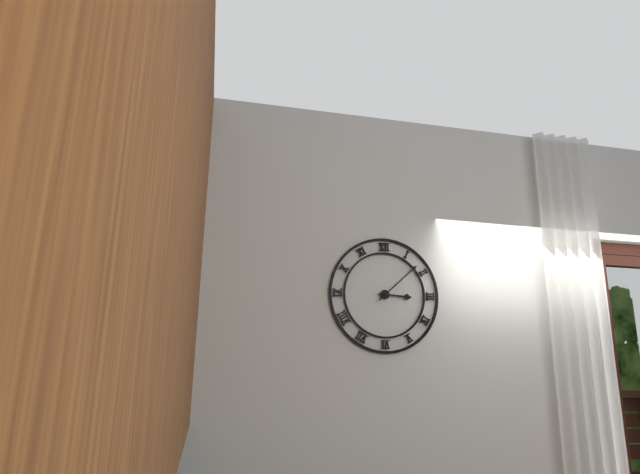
3 h 08 min
